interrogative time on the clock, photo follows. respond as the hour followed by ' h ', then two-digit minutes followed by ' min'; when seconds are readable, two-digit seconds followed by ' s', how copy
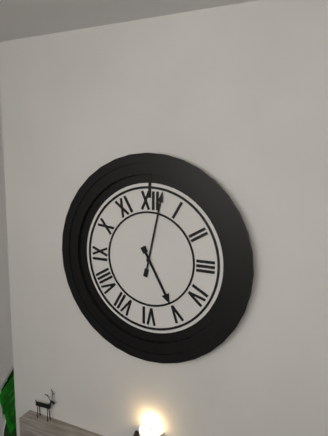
5 h 02 min
